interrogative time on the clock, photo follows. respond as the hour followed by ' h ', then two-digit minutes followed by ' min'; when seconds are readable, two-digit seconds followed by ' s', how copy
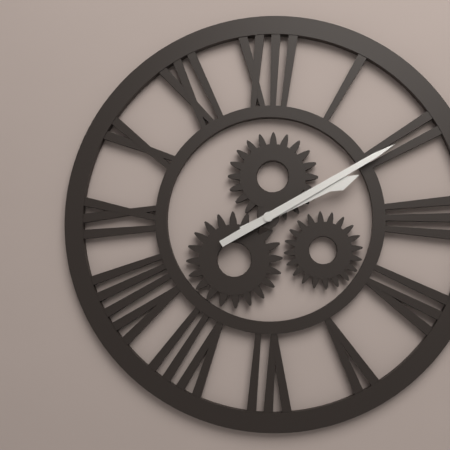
2 h 10 min
